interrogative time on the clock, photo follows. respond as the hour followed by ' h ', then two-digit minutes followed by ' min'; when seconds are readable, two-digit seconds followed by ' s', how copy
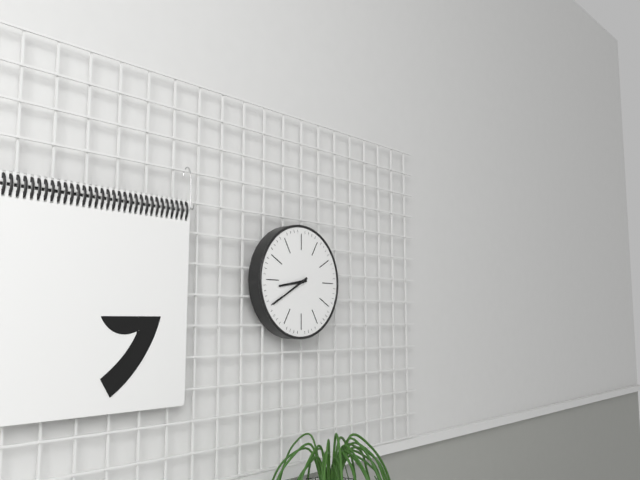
8 h 40 min
